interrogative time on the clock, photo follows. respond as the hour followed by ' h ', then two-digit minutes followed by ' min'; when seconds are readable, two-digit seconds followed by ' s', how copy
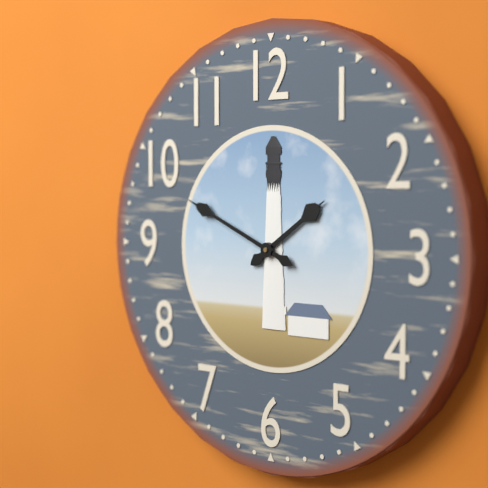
1 h 49 min
